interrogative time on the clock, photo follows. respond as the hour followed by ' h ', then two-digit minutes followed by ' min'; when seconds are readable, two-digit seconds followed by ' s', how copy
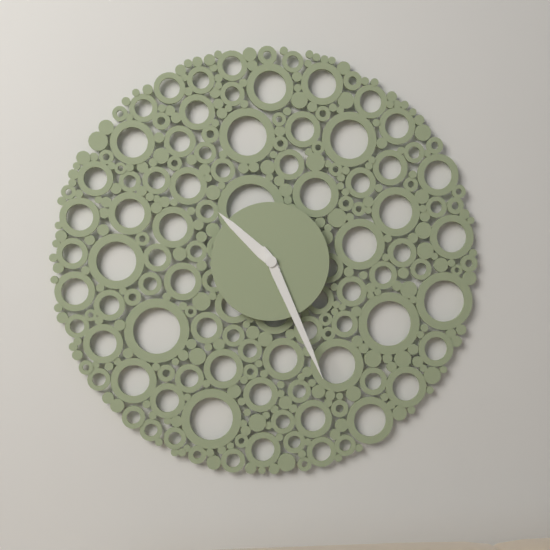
10 h 26 min
